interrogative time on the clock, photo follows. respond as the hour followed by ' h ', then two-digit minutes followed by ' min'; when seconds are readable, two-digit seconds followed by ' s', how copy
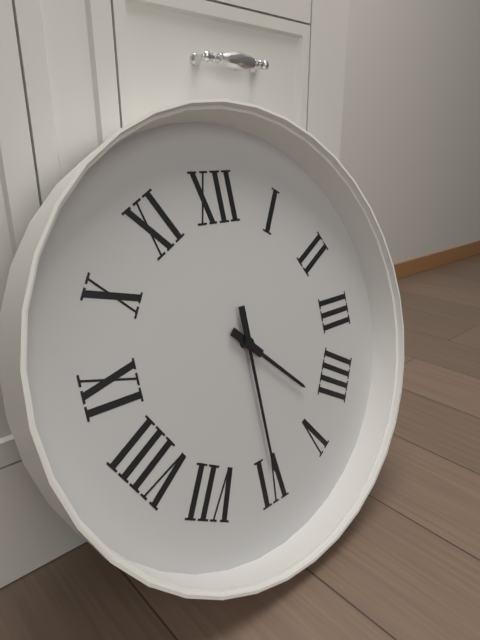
4 h 30 min
